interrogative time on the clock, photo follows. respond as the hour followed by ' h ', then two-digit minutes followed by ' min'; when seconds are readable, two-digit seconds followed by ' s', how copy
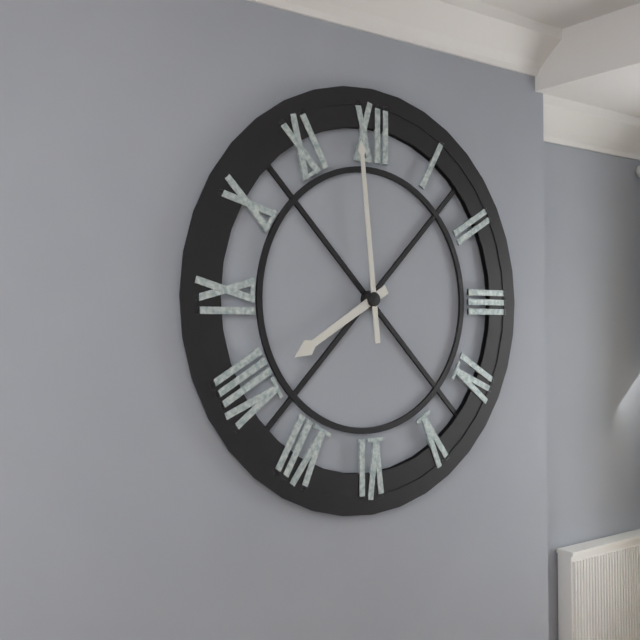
7 h 59 min
